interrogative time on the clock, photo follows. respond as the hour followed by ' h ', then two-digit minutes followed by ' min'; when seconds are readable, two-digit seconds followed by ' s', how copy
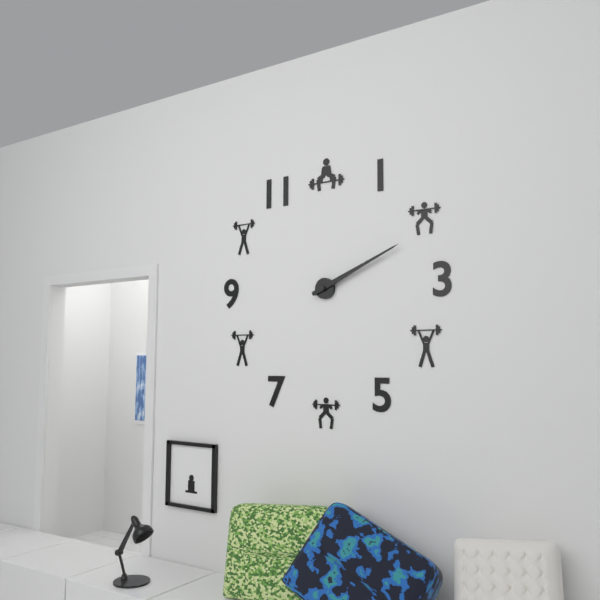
2 h 11 min
